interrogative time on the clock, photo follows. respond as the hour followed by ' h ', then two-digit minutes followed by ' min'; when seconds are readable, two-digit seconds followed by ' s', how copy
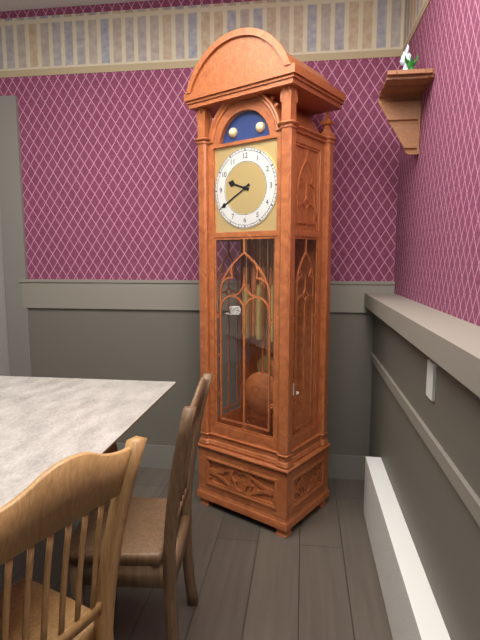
9 h 40 min
